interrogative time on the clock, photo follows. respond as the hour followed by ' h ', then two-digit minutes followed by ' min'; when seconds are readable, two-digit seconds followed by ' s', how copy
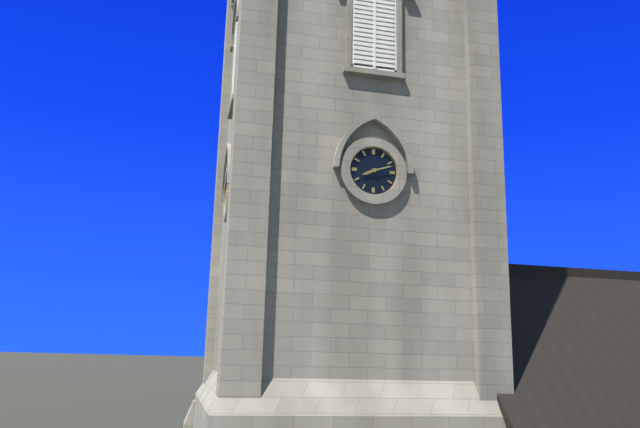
8 h 12 min
